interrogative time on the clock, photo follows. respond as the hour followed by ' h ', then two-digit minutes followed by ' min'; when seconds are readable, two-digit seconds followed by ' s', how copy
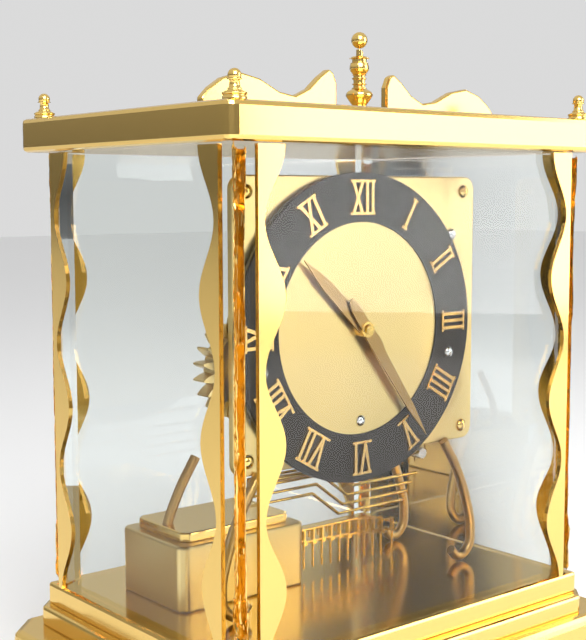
10 h 24 min
